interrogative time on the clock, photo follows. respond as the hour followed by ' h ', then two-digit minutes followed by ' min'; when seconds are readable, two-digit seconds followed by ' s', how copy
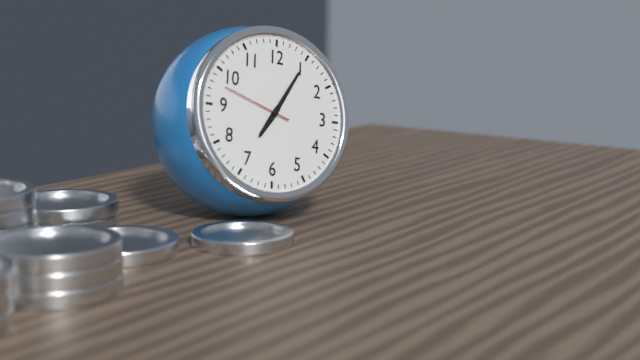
7 h 05 min 48 s
